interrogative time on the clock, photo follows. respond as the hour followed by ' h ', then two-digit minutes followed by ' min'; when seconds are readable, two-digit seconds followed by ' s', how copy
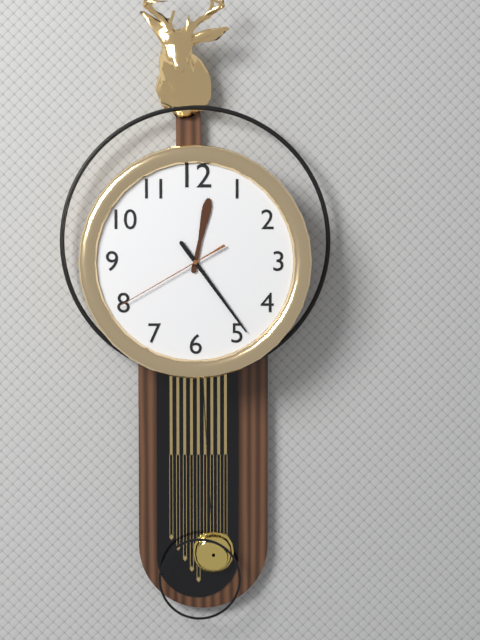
12 h 24 min 40 s
